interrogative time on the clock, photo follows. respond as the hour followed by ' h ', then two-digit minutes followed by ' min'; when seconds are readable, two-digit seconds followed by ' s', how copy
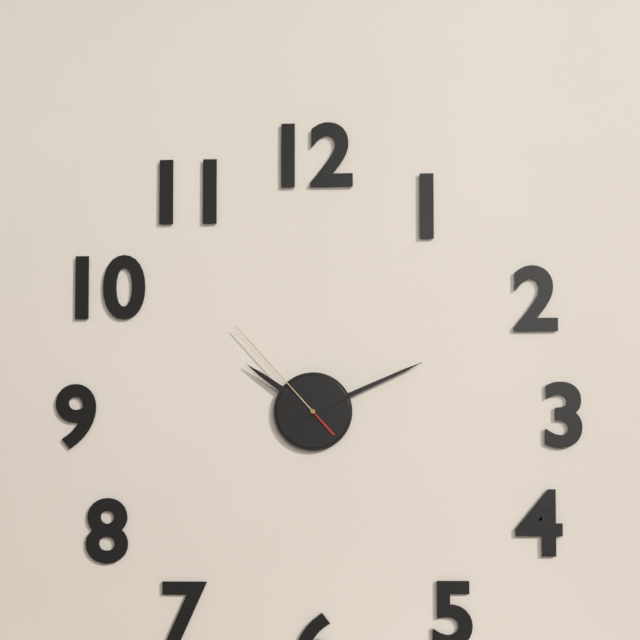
10 h 11 min 53 s
